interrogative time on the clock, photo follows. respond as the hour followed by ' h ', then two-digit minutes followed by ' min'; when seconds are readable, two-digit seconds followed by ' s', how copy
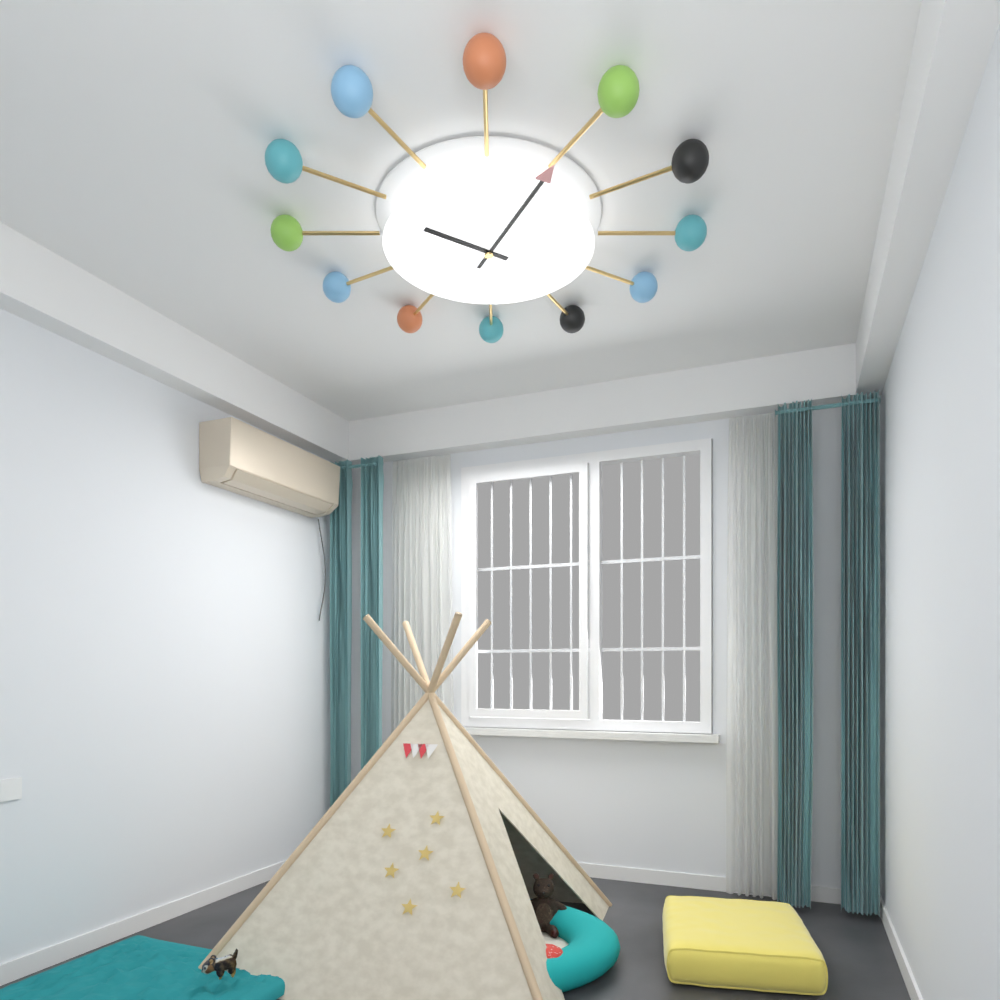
10 h 04 min
